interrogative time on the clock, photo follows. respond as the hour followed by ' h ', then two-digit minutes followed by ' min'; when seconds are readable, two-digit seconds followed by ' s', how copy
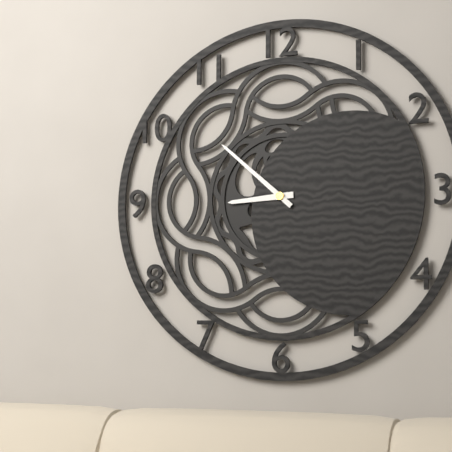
8 h 52 min
